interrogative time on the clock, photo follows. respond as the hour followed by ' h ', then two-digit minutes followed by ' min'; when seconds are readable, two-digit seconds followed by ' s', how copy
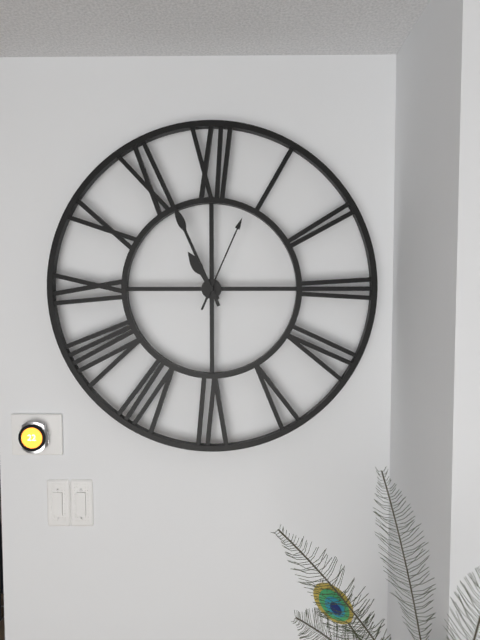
10 h 56 min 04 s
